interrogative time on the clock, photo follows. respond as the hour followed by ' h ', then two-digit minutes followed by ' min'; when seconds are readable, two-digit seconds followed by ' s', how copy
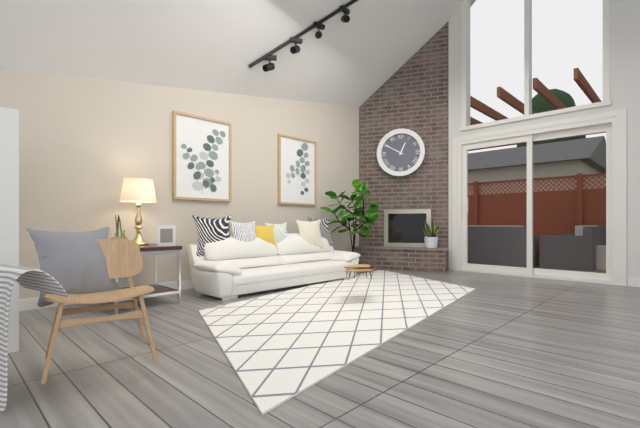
12 h 50 min
